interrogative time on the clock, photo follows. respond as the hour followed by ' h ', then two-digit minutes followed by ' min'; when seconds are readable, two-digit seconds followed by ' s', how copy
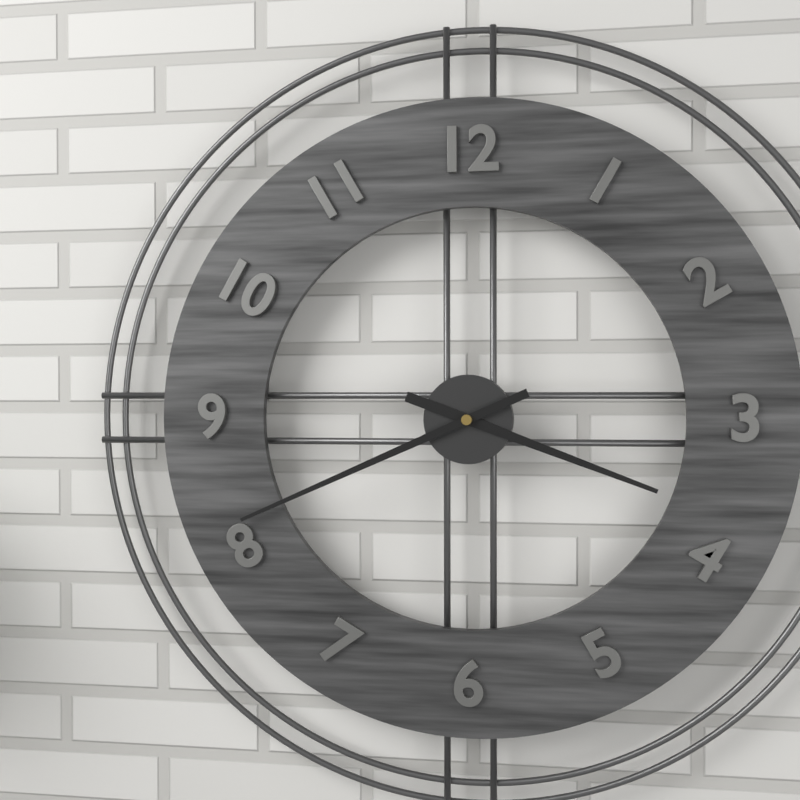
3 h 41 min
